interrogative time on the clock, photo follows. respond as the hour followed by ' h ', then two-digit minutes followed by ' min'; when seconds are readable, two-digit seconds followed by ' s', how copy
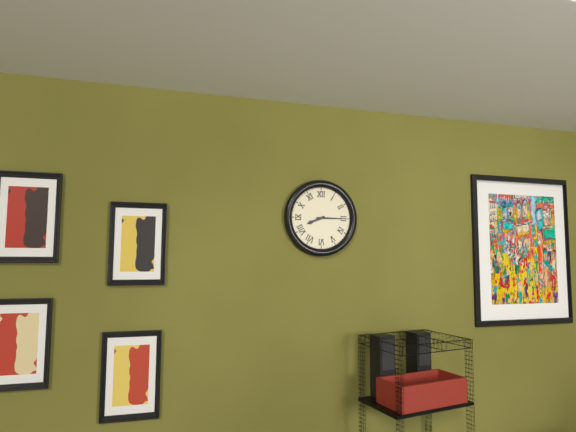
8 h 15 min
